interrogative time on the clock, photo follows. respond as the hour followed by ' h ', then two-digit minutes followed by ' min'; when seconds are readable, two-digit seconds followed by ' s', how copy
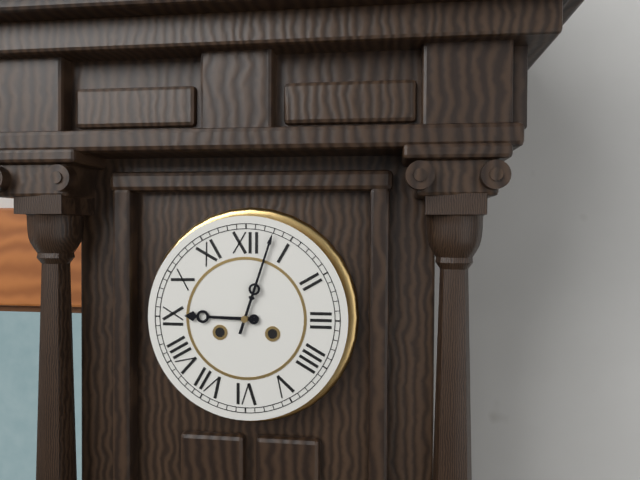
9 h 03 min
